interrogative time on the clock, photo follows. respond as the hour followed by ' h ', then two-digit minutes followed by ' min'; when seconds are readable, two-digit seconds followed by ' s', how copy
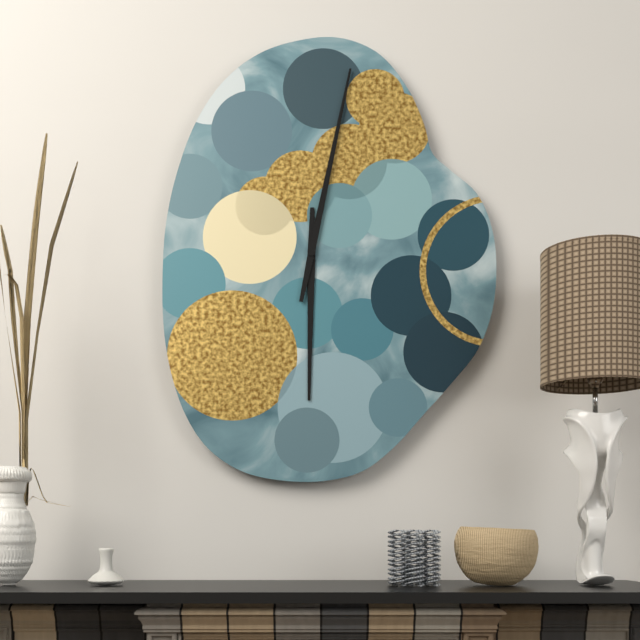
6 h 02 min
